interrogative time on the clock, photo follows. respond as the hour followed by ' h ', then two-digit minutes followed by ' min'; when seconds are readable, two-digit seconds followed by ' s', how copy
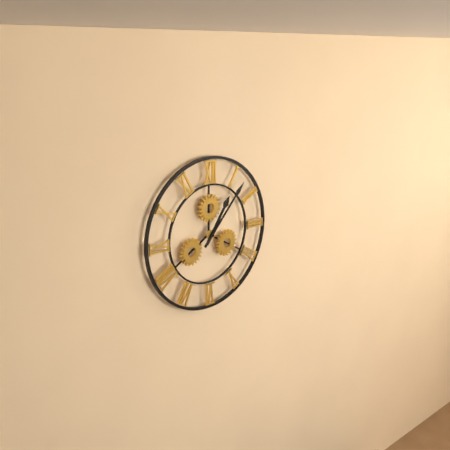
1 h 07 min
